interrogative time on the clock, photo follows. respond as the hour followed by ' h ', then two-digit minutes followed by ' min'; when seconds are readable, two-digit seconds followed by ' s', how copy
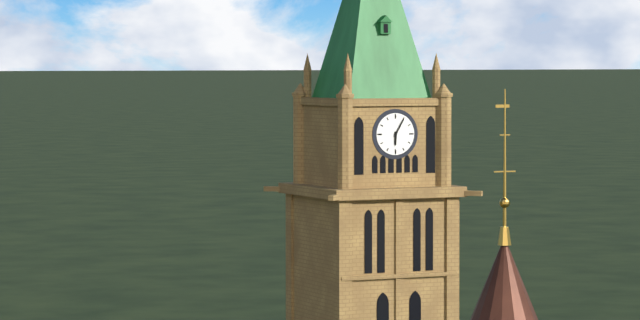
6 h 05 min
